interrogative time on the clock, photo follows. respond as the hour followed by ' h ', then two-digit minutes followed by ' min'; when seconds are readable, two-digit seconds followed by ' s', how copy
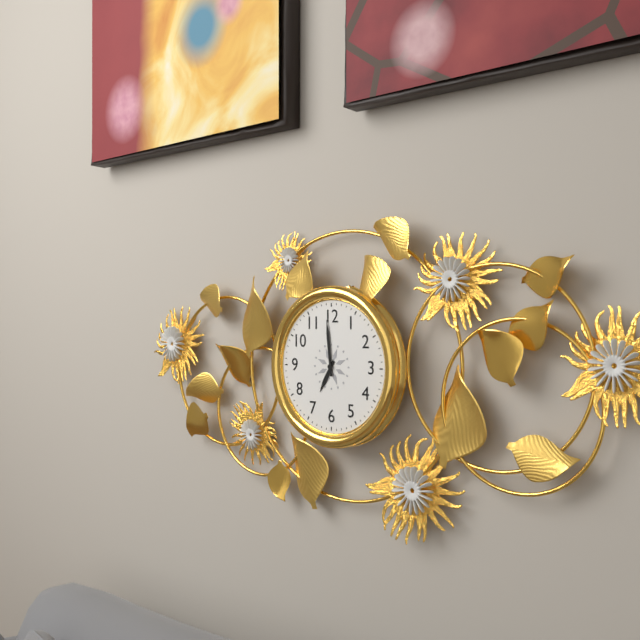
6 h 59 min
